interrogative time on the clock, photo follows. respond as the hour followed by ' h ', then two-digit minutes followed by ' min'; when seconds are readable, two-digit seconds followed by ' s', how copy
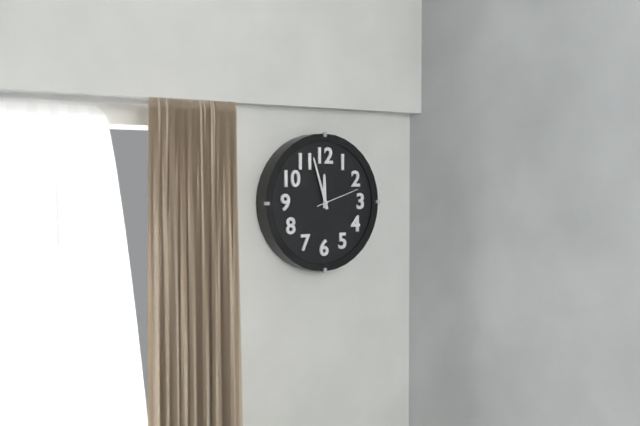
11 h 57 min
